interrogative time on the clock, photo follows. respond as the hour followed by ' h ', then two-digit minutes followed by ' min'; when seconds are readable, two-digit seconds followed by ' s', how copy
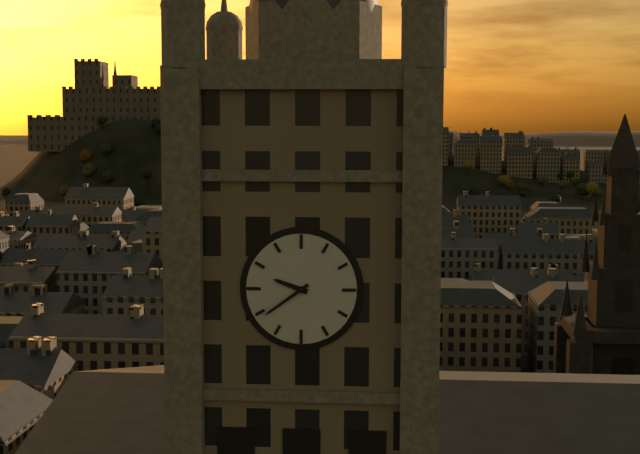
9 h 39 min
